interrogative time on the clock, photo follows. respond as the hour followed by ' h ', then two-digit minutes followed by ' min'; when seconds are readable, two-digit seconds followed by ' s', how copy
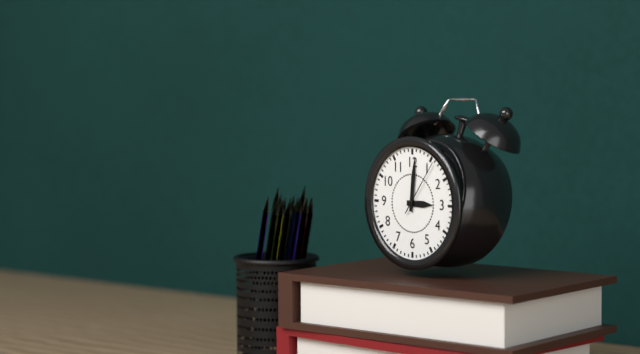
3 h 01 min 06 s
